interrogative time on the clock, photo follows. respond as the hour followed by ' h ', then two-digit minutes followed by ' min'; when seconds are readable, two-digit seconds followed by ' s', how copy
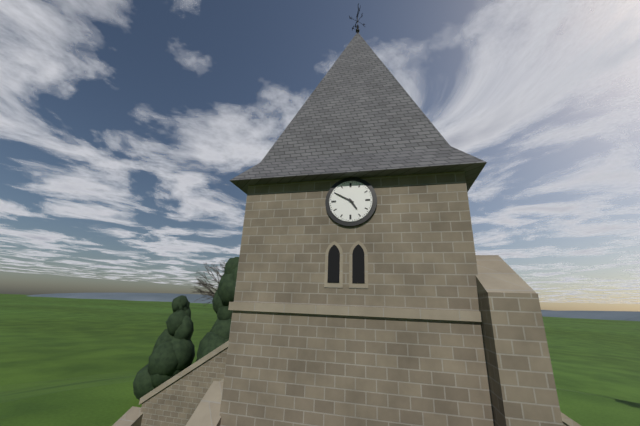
4 h 50 min
